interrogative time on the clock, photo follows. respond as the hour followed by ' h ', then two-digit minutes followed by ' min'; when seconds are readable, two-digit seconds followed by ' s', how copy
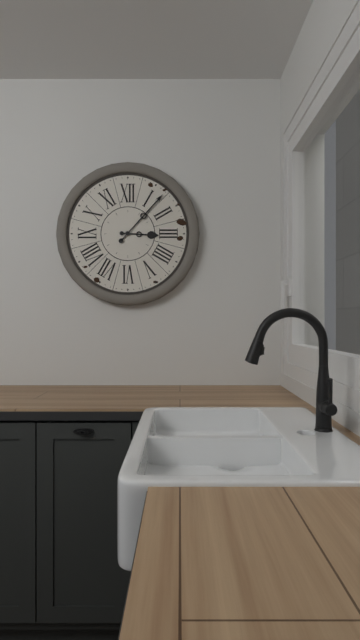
3 h 07 min
